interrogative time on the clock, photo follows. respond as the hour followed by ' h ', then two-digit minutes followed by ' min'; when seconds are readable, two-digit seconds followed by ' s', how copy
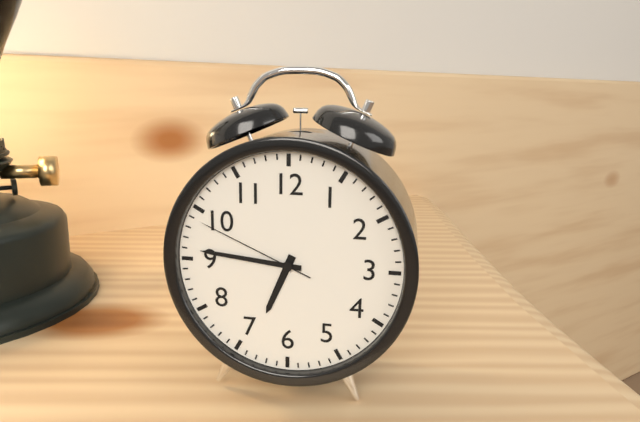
6 h 46 min 49 s
